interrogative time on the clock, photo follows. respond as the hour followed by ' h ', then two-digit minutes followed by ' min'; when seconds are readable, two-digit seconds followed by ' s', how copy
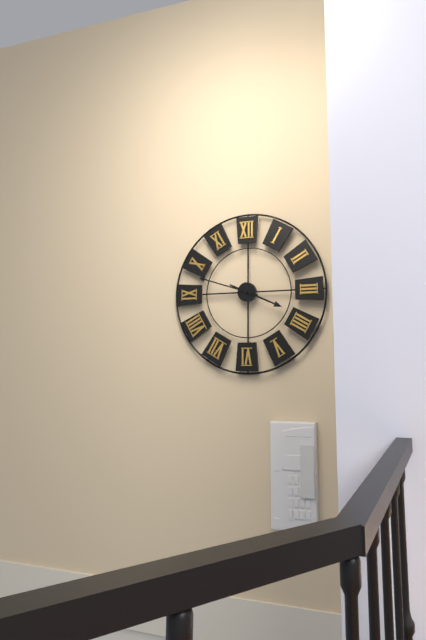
3 h 48 min
